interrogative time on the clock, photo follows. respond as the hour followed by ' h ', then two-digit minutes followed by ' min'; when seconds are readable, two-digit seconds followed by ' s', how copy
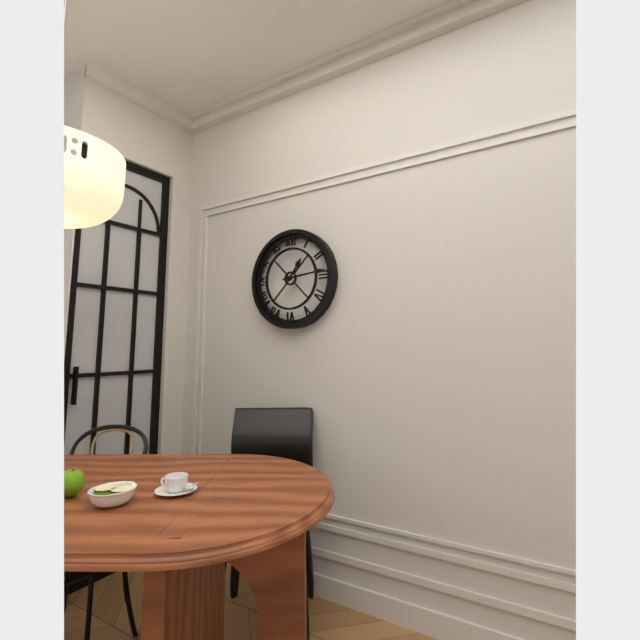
1 h 14 min
